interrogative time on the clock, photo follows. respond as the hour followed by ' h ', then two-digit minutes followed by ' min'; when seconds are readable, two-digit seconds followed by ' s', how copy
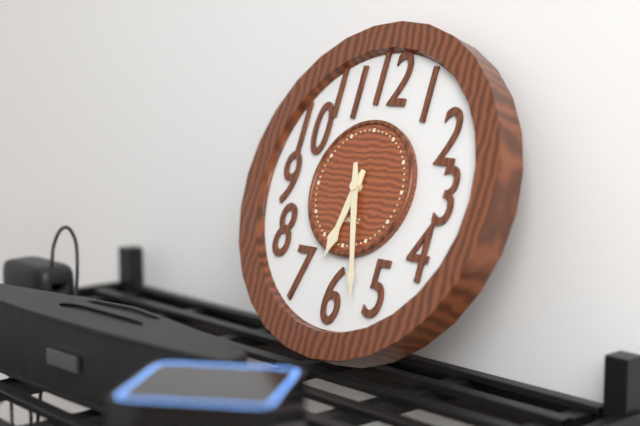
6 h 27 min
